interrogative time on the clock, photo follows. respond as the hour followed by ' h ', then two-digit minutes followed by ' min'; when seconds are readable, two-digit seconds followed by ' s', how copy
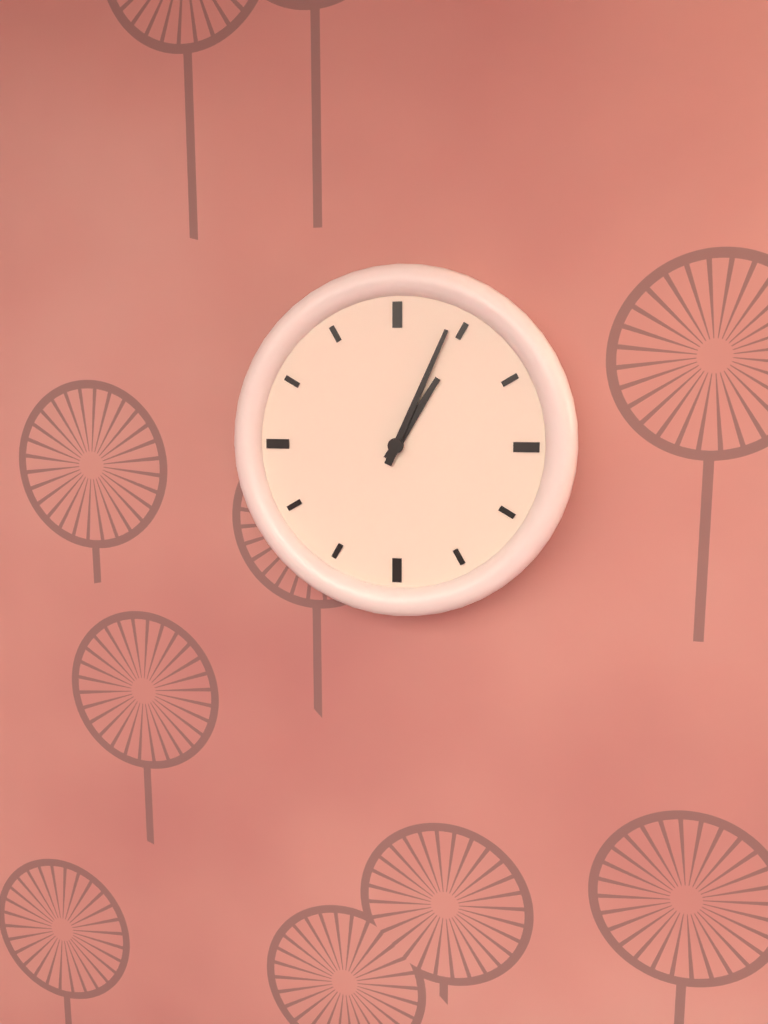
1 h 04 min
